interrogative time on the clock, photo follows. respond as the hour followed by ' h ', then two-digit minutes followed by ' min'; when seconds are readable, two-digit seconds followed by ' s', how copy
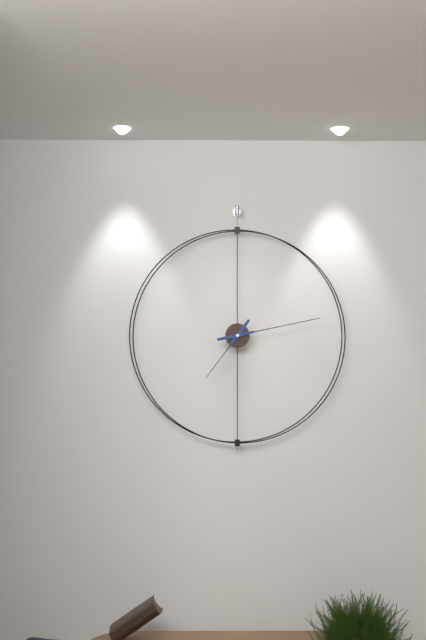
7 h 13 min
